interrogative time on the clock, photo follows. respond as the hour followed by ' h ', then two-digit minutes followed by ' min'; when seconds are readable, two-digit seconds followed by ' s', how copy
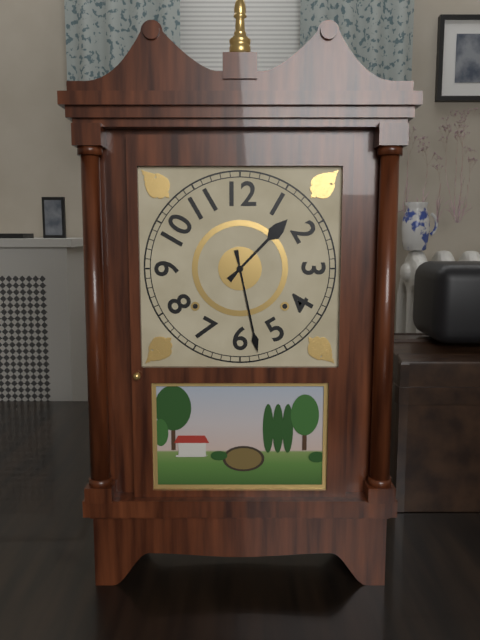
1 h 28 min
